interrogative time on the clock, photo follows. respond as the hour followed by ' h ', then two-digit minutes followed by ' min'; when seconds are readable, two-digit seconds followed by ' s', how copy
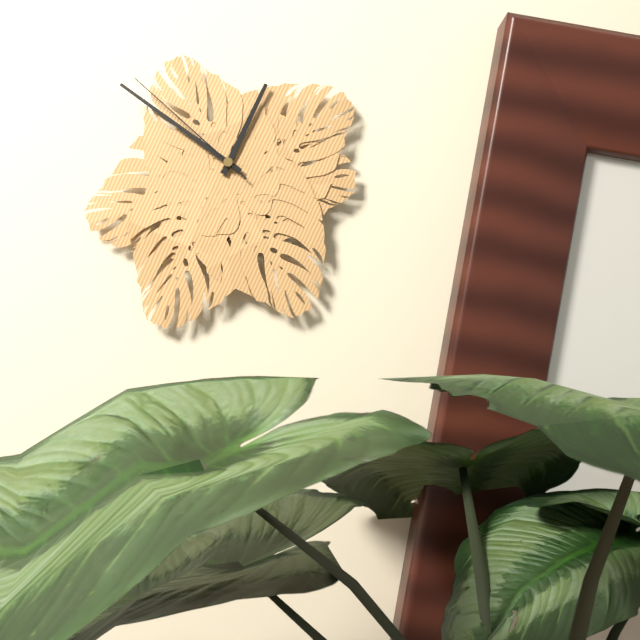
12 h 51 min 52 s
